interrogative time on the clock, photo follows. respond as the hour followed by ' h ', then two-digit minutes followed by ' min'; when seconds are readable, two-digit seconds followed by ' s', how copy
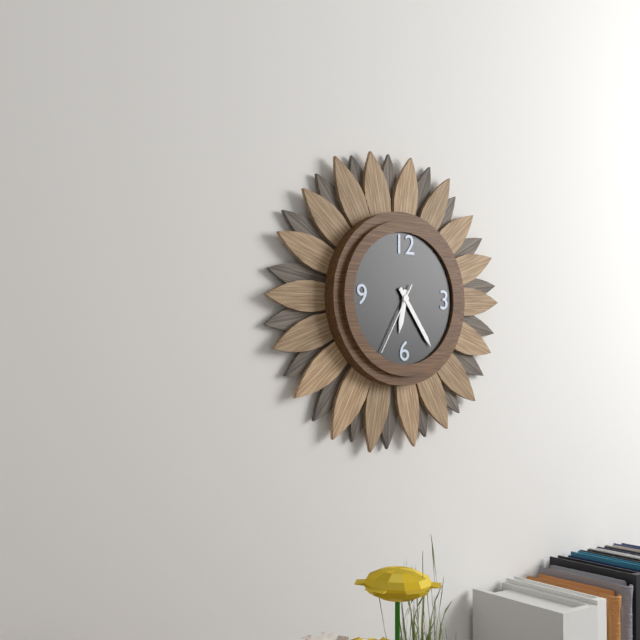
6 h 24 min 35 s
